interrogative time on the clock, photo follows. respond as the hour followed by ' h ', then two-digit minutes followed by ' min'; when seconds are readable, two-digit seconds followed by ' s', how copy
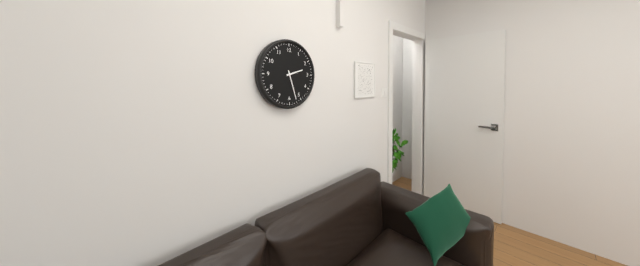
2 h 27 min
